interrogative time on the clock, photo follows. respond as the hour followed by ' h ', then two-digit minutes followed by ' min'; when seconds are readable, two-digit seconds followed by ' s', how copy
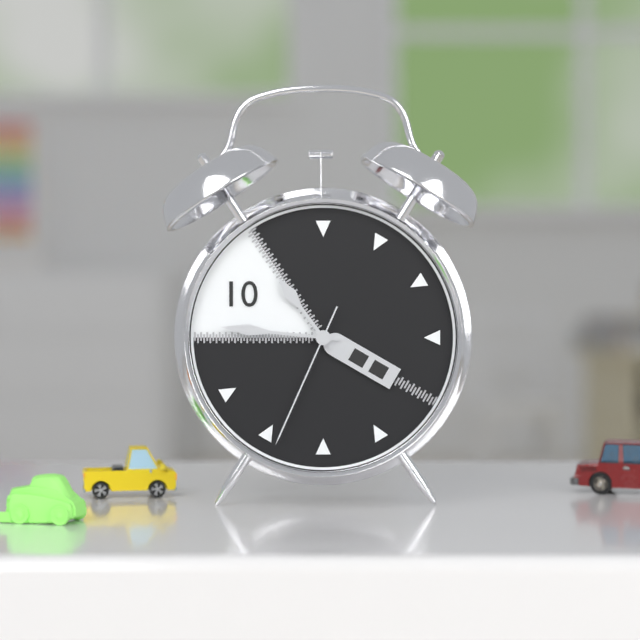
10 h 46 min 34 s
